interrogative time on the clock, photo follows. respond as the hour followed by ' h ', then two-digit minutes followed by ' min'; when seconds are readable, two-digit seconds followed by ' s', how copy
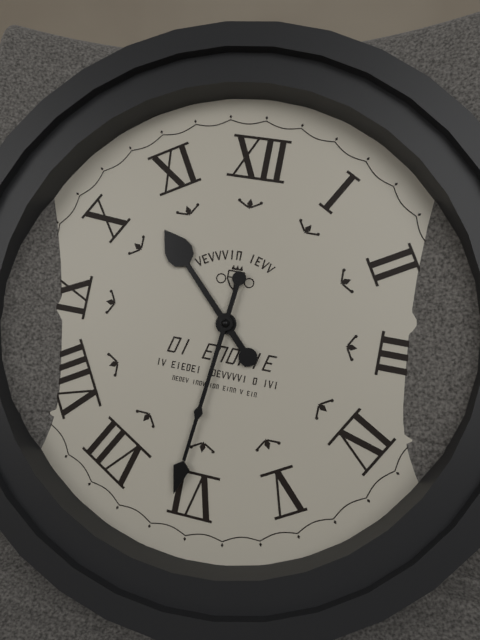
10 h 31 min
